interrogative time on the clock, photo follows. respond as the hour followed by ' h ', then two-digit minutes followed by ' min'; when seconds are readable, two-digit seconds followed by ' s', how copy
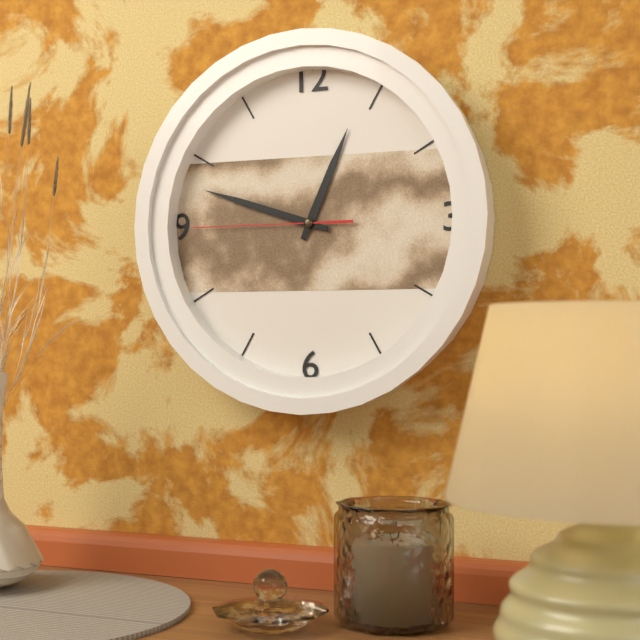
12 h 48 min 45 s
